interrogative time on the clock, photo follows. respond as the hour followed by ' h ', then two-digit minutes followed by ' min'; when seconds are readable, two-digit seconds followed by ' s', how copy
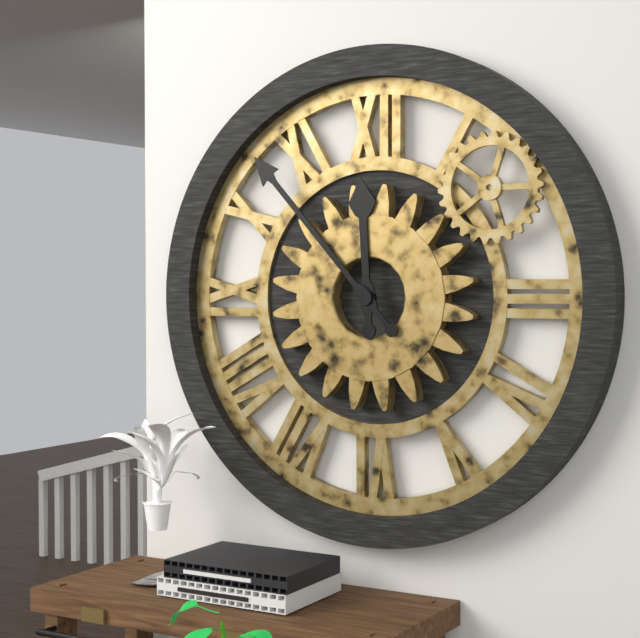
11 h 53 min
